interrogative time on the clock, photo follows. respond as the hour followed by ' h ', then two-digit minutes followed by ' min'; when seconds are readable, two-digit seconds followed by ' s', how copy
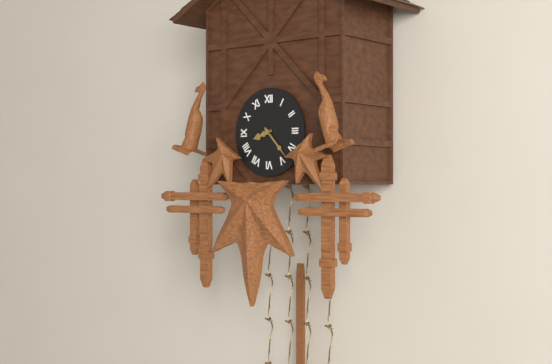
8 h 23 min
